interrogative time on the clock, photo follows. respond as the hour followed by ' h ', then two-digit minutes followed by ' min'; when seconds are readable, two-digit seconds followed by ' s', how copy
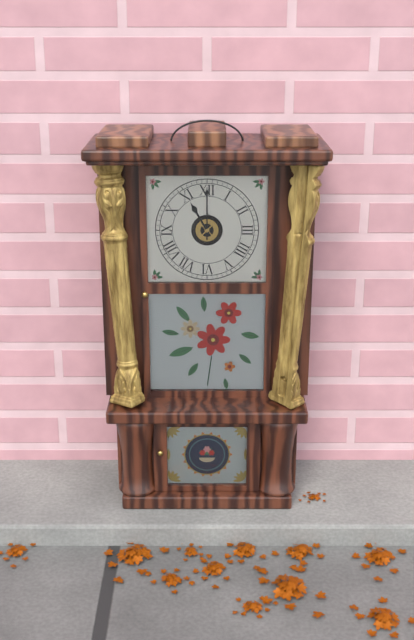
11 h 00 min
